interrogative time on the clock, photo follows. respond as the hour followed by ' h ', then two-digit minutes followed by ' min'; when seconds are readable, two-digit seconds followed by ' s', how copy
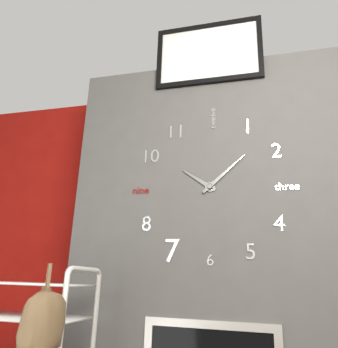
10 h 08 min
